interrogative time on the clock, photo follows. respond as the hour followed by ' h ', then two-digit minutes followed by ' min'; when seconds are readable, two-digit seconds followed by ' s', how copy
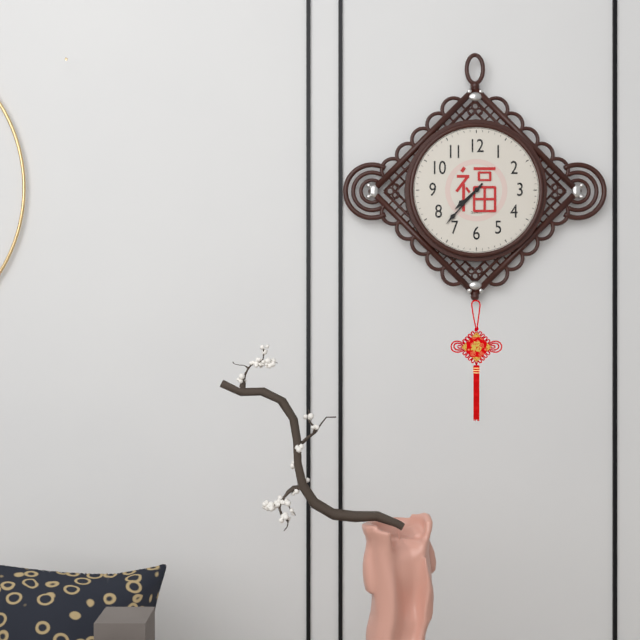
7 h 37 min
